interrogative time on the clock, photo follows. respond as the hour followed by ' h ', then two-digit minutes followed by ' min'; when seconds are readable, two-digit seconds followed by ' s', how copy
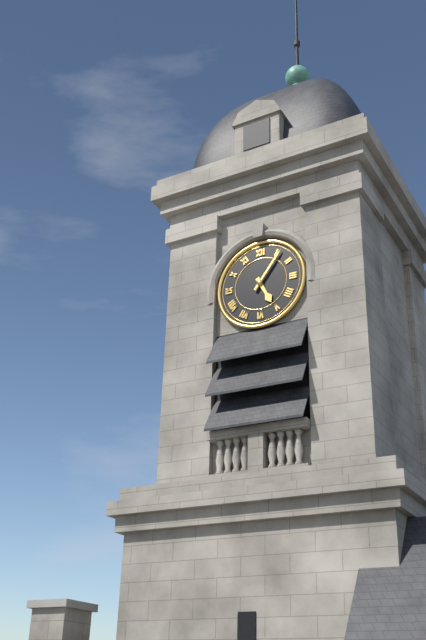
5 h 06 min
